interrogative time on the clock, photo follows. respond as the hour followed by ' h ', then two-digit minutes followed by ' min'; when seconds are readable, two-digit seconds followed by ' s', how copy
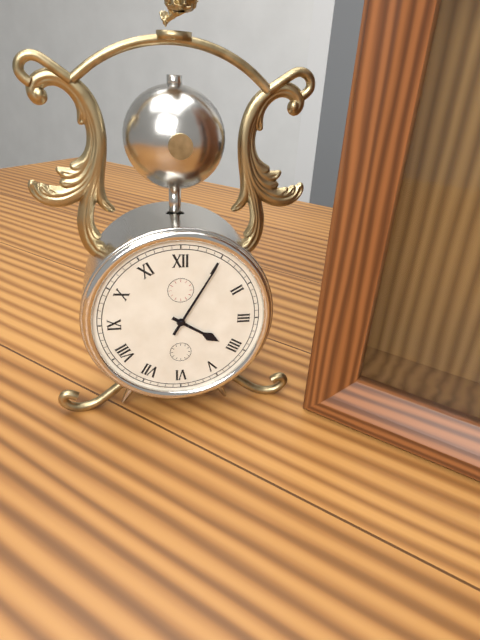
4 h 05 min
